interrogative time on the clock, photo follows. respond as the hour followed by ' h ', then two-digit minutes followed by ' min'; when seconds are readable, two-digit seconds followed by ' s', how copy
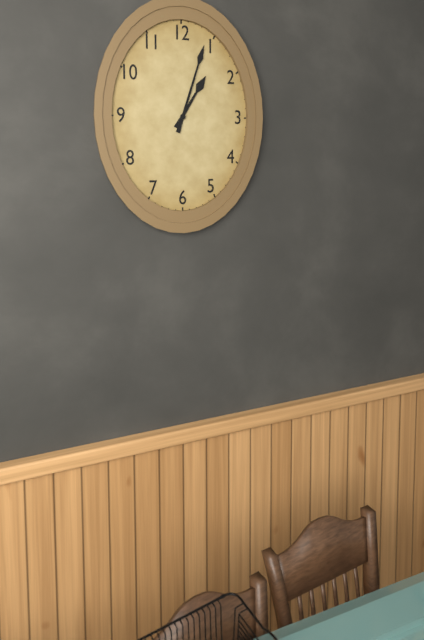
1 h 03 min
